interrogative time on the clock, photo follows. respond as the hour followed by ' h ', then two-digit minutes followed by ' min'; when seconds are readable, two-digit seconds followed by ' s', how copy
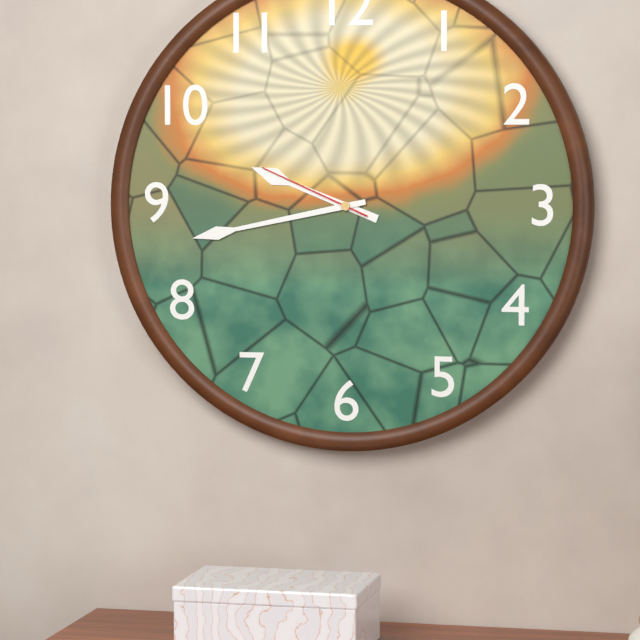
9 h 43 min 49 s
